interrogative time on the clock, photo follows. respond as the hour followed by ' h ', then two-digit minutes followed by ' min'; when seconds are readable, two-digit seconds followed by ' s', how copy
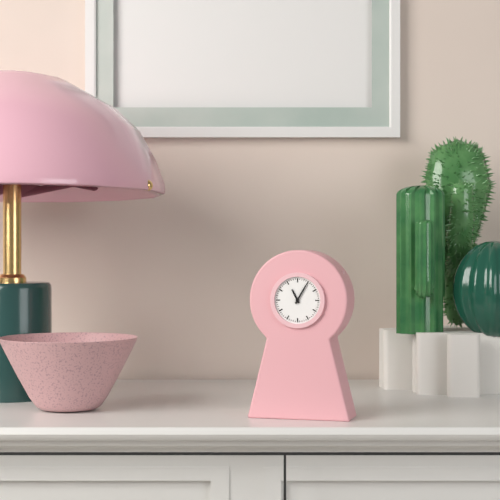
11 h 05 min
